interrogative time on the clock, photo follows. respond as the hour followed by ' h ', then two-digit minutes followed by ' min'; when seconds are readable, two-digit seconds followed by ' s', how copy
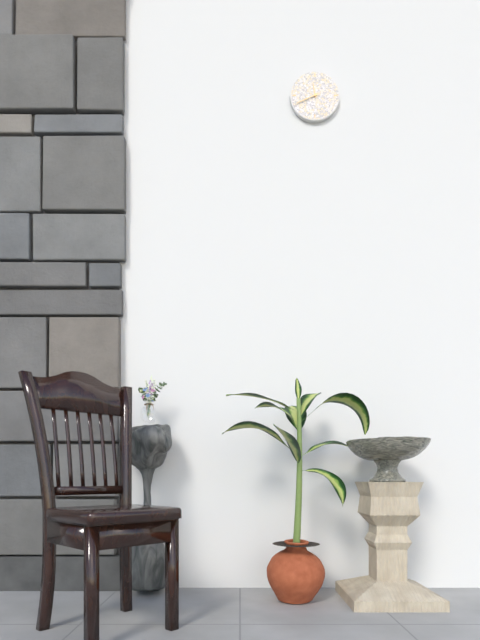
11 h 41 min
